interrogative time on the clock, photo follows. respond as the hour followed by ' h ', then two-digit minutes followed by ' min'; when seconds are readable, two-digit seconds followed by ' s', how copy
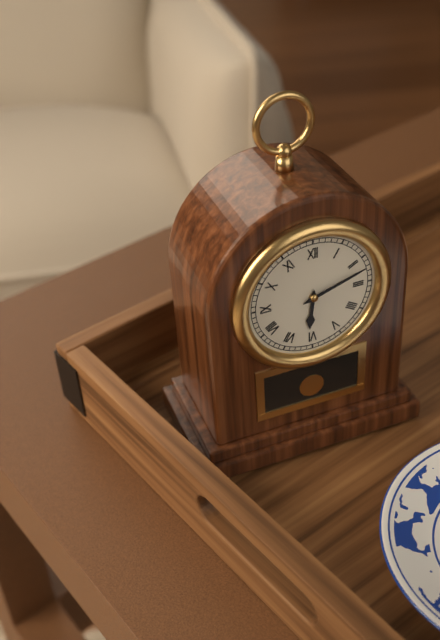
6 h 12 min
